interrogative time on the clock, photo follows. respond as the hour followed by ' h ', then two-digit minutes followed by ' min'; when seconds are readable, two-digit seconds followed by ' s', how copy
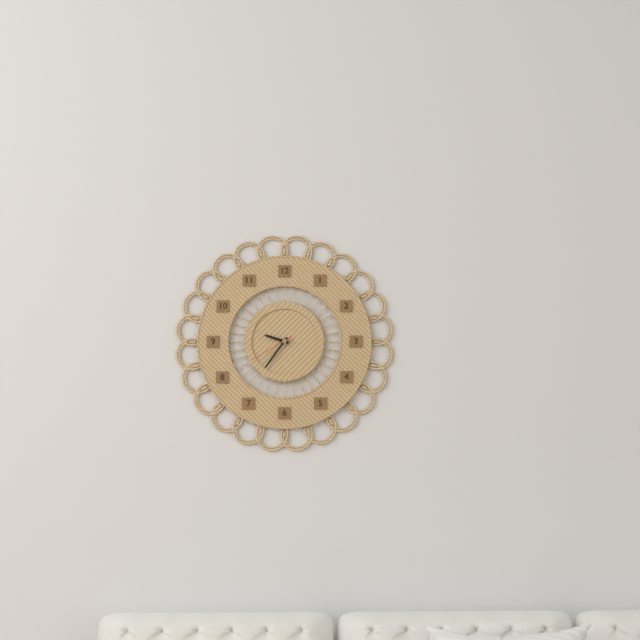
9 h 36 min
